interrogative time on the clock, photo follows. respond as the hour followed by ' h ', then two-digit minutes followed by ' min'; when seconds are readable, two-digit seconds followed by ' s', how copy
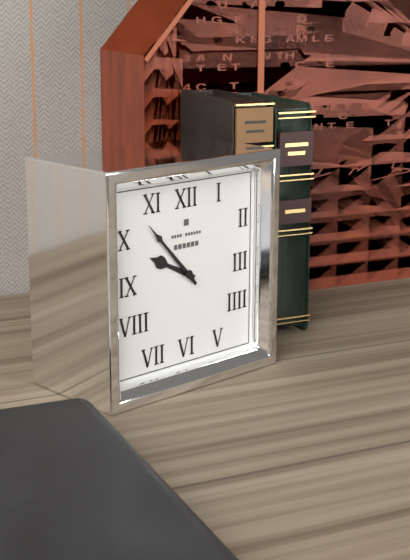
9 h 53 min
